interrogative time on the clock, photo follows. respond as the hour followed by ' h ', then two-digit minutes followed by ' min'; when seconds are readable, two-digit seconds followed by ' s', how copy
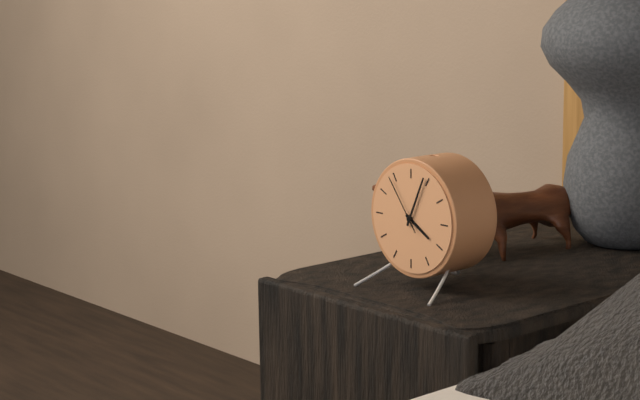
4 h 04 min 54 s
